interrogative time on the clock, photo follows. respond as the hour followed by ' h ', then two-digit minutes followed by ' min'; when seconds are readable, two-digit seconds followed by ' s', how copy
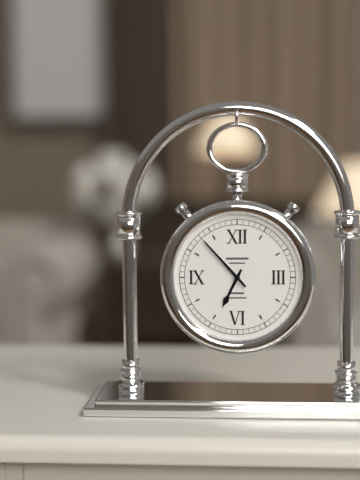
6 h 53 min
